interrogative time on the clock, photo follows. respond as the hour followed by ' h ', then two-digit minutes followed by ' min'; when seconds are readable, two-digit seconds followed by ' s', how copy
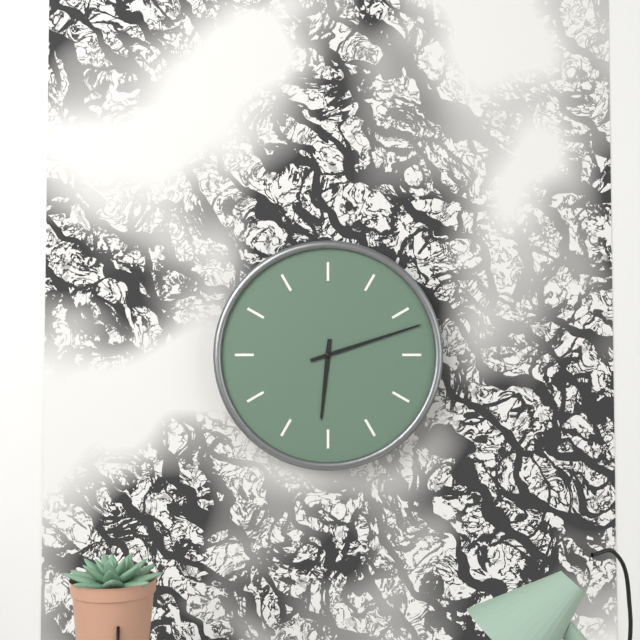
6 h 12 min
